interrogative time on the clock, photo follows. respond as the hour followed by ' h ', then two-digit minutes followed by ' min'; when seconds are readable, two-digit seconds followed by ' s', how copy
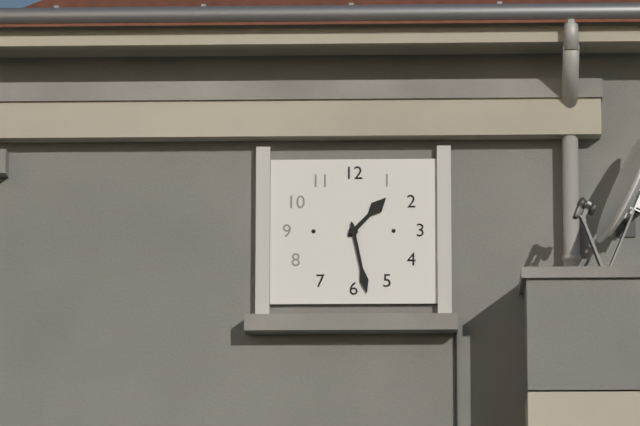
1 h 28 min
